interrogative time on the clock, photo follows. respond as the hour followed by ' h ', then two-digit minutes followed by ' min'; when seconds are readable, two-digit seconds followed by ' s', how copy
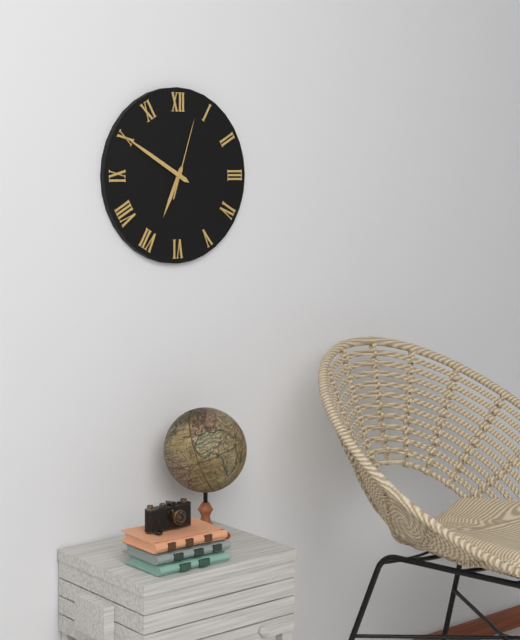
6 h 50 min 03 s
